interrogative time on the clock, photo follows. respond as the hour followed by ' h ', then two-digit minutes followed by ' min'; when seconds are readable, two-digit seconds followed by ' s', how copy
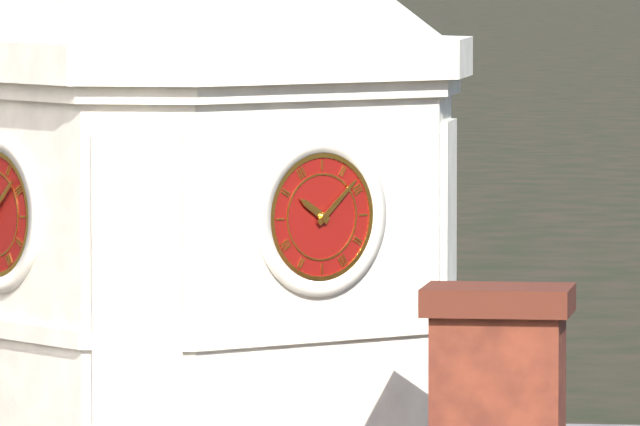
10 h 08 min
